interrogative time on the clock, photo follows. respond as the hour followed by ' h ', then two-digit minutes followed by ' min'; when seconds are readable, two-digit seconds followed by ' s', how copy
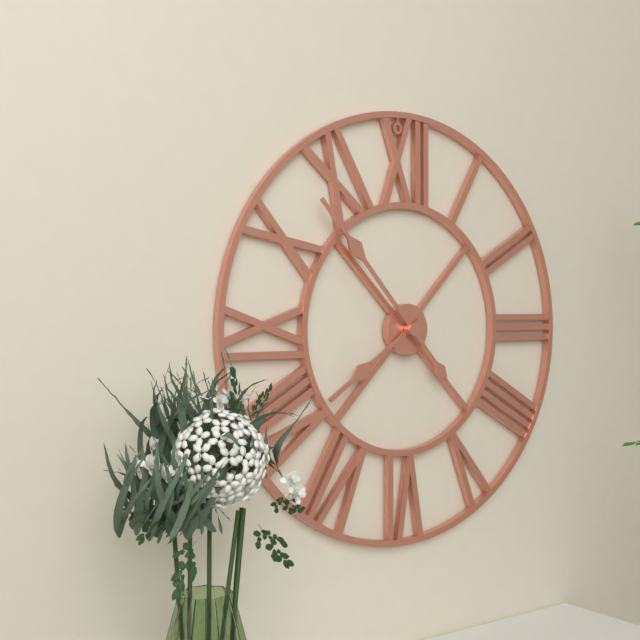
7 h 53 min
